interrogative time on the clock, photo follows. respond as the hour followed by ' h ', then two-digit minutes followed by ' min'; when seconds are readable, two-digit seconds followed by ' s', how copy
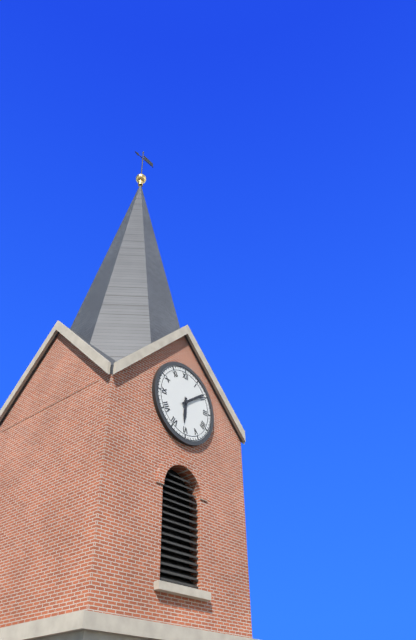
6 h 09 min
